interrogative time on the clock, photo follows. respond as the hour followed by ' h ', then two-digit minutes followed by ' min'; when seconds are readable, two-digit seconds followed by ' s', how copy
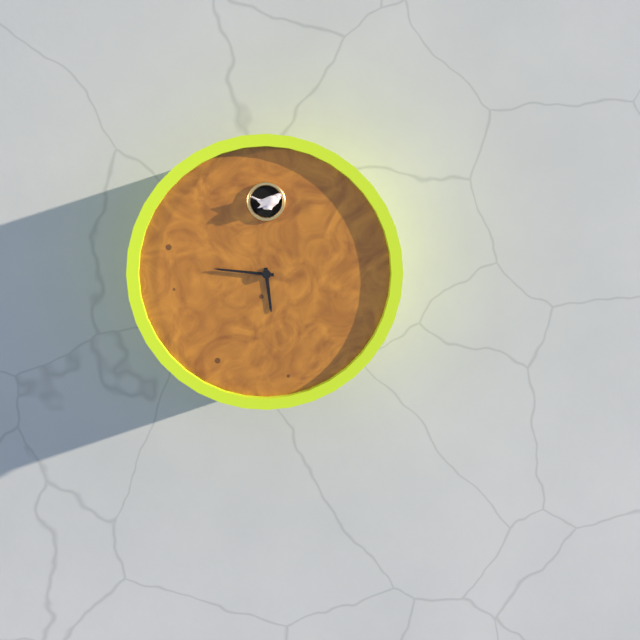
5 h 46 min
